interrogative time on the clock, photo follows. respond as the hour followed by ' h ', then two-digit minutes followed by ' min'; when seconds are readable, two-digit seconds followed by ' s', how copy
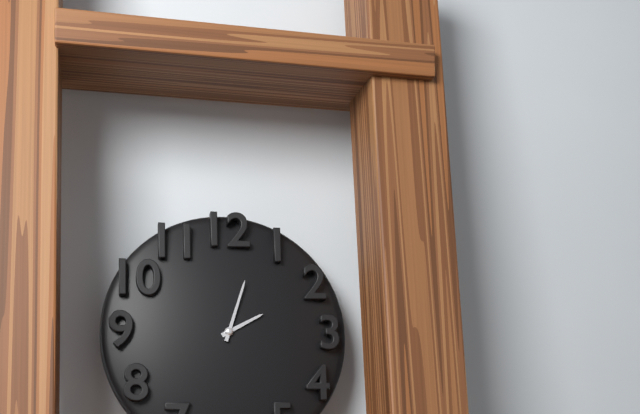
2 h 03 min
